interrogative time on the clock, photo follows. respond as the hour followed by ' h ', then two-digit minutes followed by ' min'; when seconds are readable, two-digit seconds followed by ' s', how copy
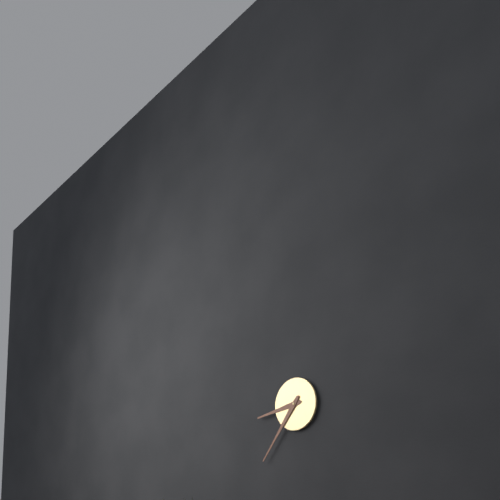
8 h 36 min
